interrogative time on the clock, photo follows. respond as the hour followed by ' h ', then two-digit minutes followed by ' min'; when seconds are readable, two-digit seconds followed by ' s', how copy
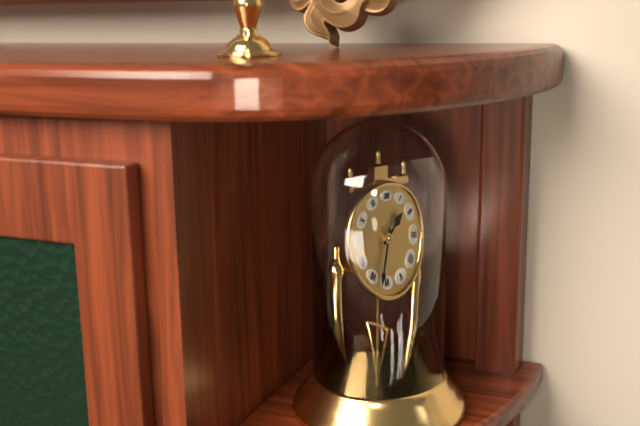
1 h 32 min
